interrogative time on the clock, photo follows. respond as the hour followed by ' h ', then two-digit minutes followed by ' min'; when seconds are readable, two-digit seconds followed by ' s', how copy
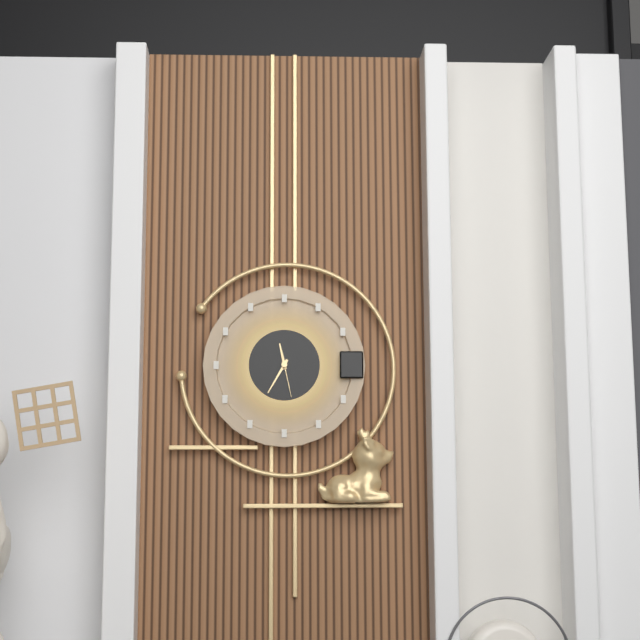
11 h 35 min
